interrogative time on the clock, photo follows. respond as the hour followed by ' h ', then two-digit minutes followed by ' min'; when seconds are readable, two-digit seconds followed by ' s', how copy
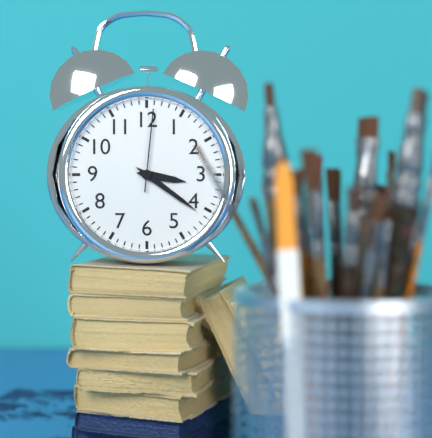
3 h 21 min 01 s
